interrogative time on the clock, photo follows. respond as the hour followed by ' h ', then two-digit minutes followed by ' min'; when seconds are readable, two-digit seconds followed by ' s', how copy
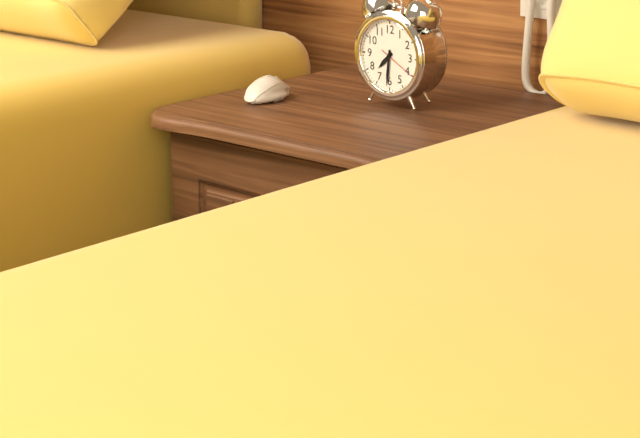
7 h 31 min
